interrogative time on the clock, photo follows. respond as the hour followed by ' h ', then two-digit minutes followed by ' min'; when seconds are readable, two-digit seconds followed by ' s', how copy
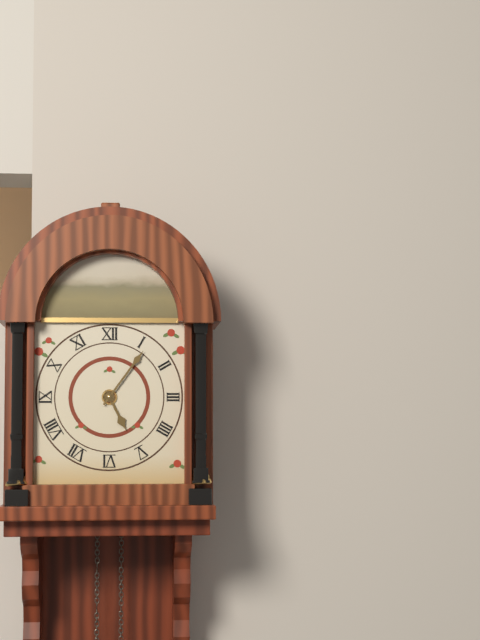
5 h 06 min
